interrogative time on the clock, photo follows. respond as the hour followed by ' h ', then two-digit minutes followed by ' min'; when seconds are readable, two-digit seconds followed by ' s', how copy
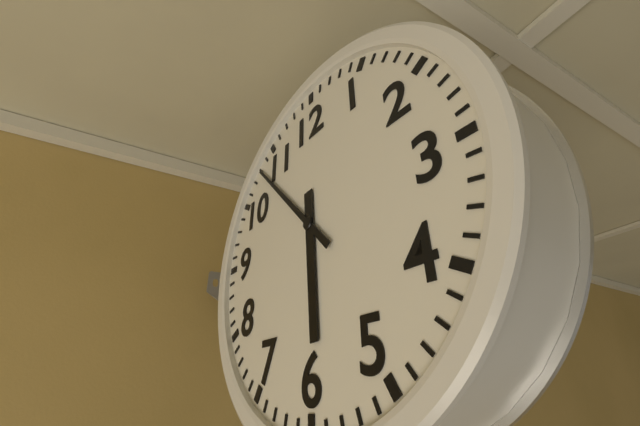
5 h 53 min
